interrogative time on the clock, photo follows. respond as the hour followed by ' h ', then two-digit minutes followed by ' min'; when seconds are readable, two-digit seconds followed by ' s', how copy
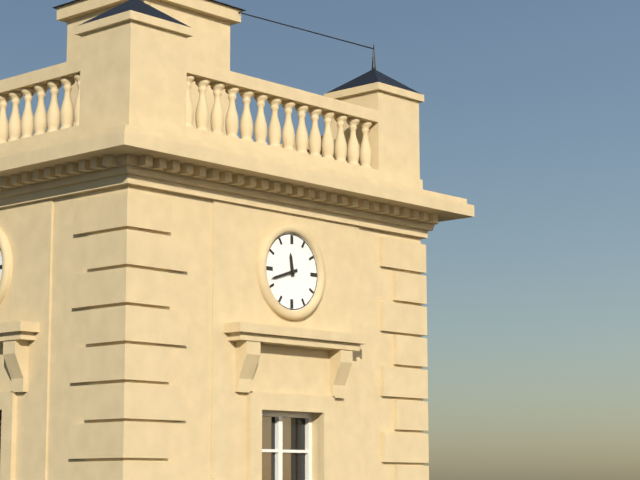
11 h 42 min
